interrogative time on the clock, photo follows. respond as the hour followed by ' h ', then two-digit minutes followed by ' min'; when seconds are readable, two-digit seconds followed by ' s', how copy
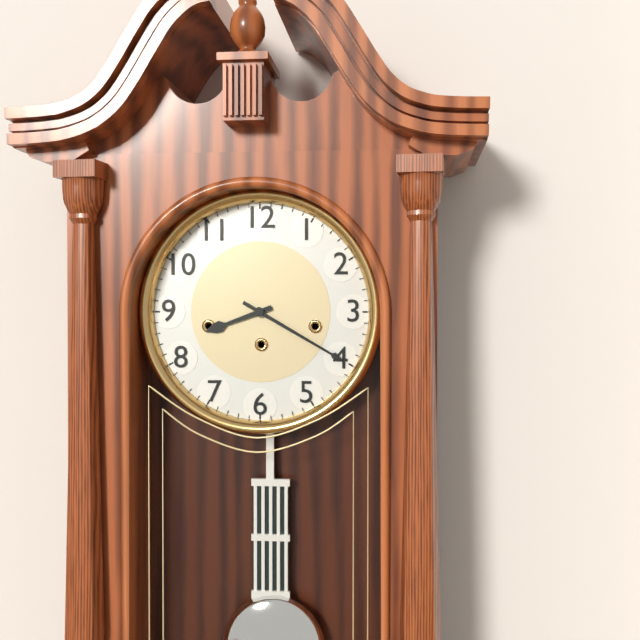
8 h 20 min
